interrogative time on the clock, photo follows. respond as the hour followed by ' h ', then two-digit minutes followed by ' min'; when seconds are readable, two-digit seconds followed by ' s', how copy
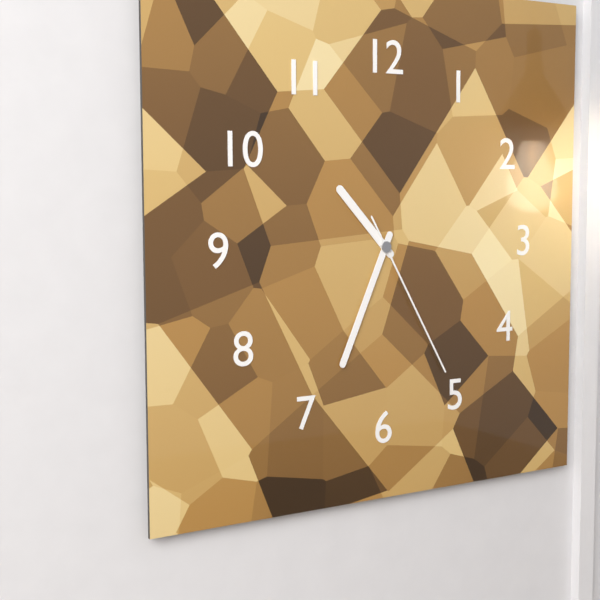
10 h 34 min 25 s
